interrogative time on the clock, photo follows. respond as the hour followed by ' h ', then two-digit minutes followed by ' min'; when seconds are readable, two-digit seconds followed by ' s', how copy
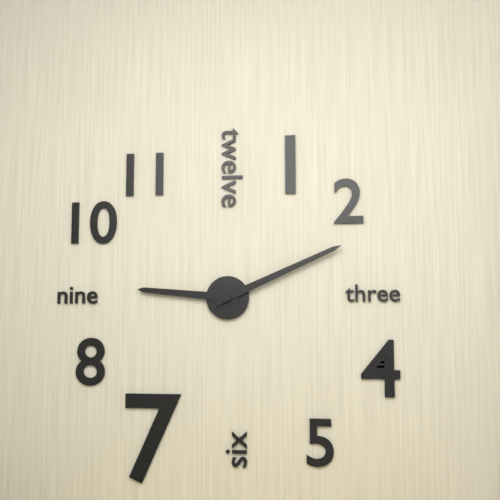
9 h 11 min
